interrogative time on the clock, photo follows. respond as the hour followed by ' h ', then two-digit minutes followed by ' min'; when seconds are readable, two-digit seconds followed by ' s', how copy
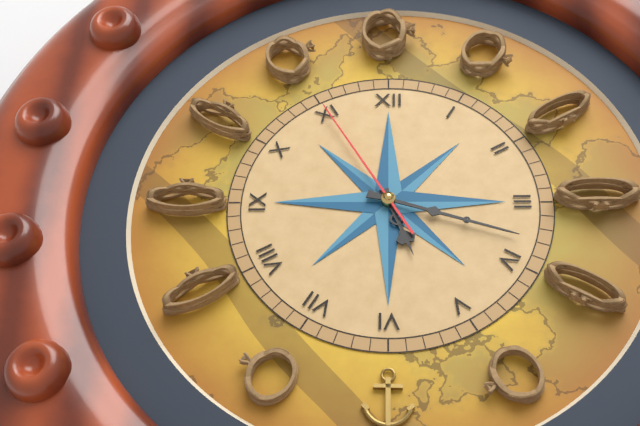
5 h 18 min 55 s
